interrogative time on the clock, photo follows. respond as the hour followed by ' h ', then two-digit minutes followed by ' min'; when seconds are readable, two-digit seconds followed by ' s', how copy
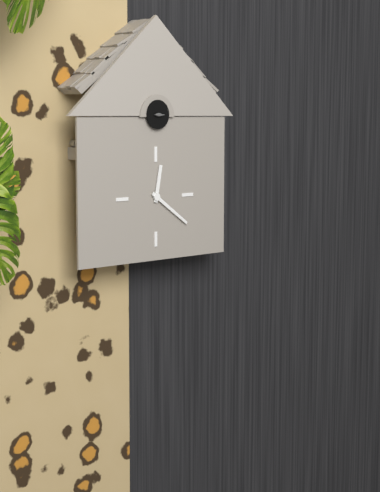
12 h 21 min
